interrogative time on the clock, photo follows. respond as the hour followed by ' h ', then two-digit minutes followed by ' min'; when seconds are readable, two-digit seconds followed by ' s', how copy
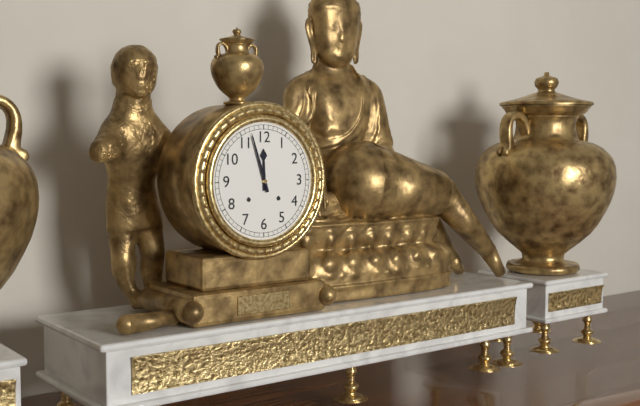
11 h 57 min
